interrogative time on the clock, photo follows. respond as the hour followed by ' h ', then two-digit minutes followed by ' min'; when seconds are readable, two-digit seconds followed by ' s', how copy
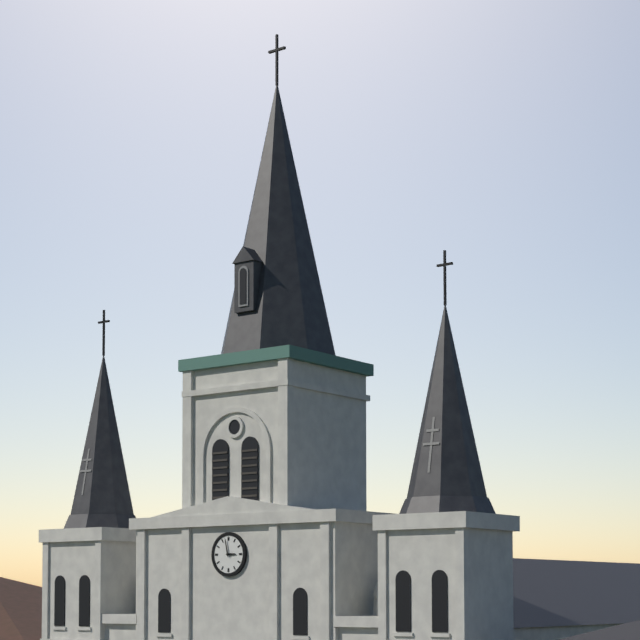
2 h 58 min
